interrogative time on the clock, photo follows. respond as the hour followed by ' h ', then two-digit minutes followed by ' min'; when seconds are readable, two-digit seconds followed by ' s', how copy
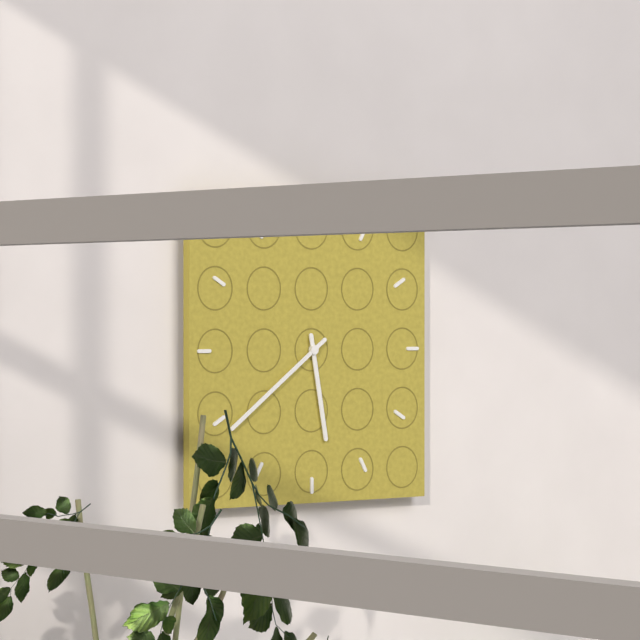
5 h 39 min
